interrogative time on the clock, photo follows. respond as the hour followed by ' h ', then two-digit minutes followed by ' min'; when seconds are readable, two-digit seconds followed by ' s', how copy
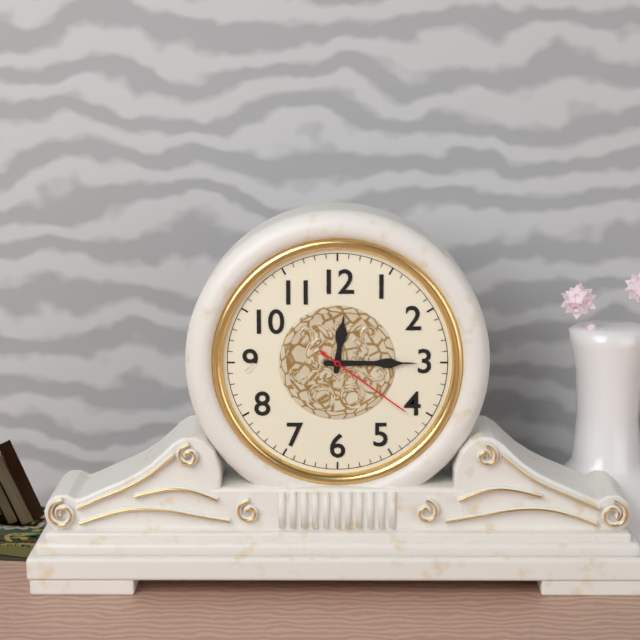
12 h 15 min 21 s
